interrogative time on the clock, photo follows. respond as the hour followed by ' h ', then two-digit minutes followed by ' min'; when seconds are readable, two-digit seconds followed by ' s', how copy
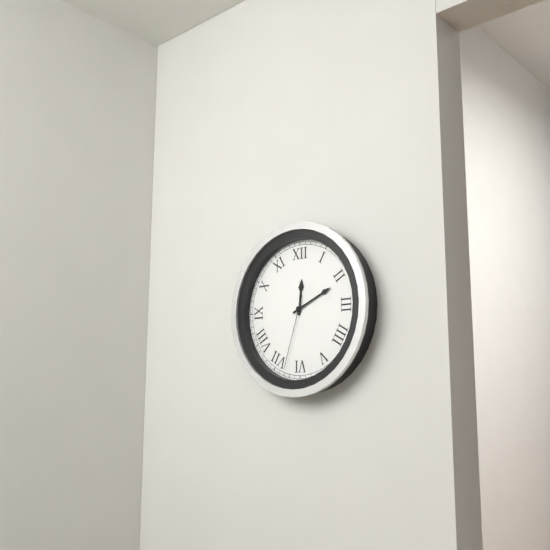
12 h 11 min 33 s
